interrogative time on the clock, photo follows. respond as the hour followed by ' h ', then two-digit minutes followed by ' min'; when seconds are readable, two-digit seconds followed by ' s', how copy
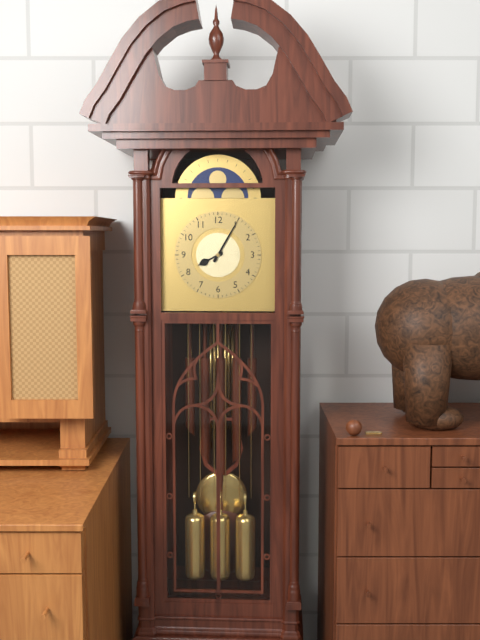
8 h 05 min
